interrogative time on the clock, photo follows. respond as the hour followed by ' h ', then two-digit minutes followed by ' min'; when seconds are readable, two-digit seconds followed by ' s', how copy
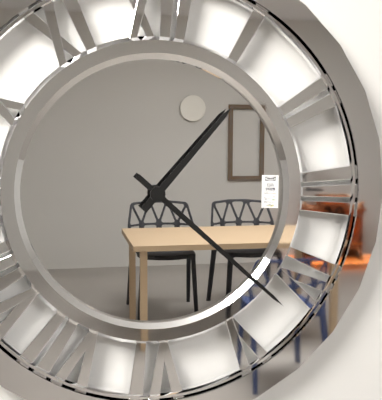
1 h 22 min
